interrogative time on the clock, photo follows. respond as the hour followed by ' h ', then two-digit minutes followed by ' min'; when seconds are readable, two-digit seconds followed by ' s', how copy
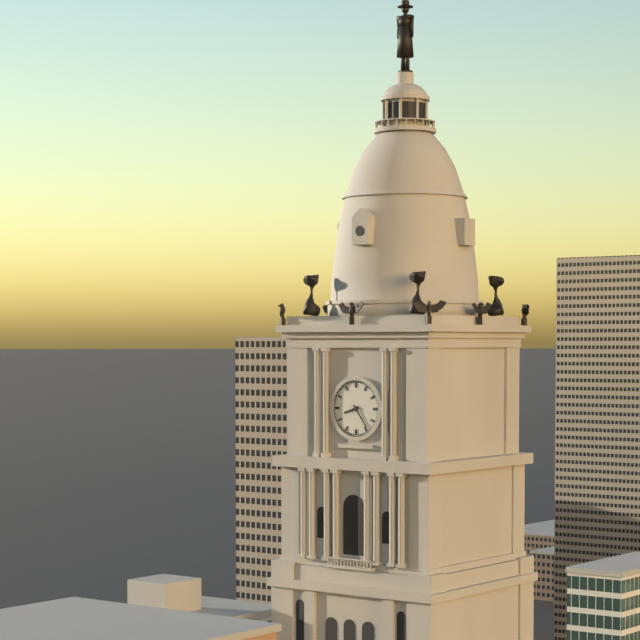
8 h 24 min
